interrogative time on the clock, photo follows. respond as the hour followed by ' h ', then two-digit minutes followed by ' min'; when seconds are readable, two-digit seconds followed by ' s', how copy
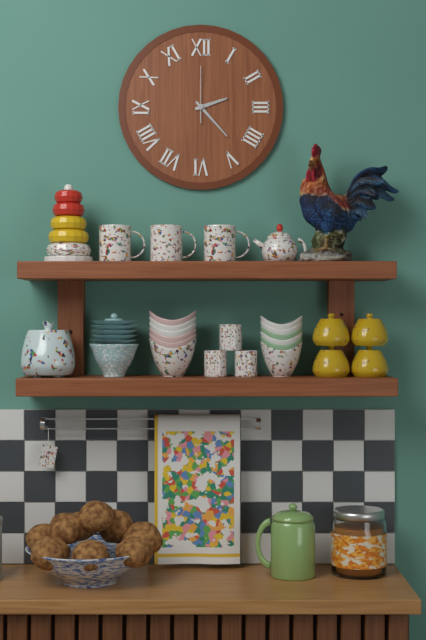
2 h 23 min 00 s
